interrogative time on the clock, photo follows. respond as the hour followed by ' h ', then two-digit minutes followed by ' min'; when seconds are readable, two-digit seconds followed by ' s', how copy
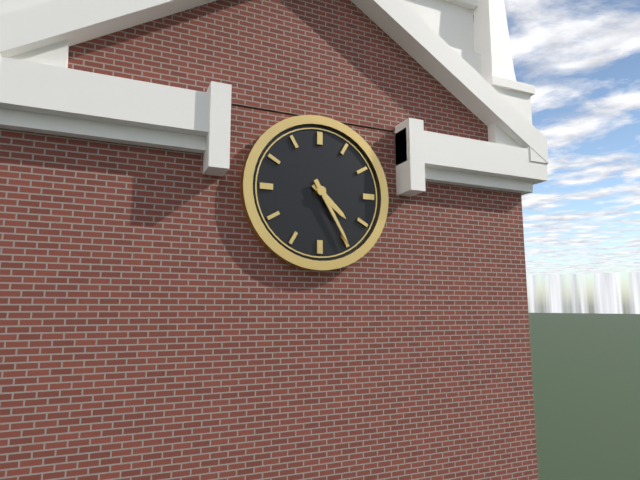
4 h 25 min
